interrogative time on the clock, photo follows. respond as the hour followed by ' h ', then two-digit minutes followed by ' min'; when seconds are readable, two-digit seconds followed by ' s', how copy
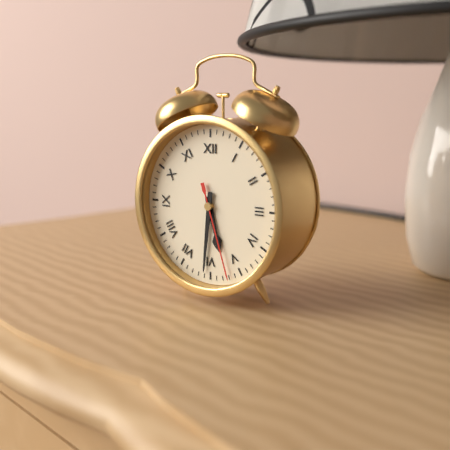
5 h 31 min 27 s
